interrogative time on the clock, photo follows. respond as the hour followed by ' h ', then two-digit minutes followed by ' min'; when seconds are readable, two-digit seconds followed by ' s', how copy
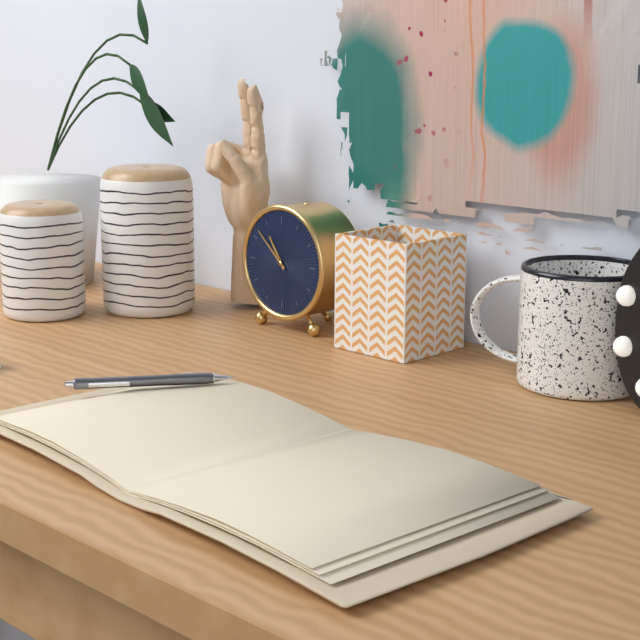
10 h 52 min
